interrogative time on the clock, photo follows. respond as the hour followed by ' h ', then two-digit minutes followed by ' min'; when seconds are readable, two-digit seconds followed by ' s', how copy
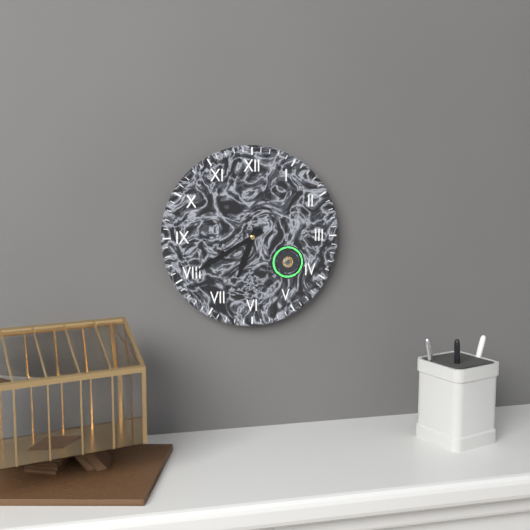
6 h 40 min
